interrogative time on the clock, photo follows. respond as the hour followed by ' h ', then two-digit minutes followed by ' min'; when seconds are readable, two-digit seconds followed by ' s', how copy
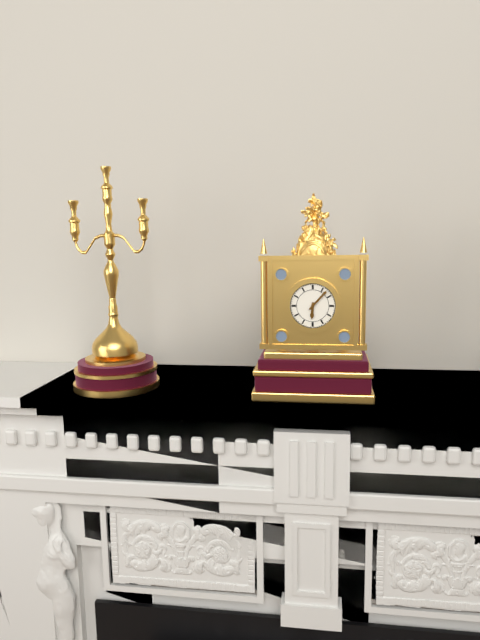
6 h 07 min
